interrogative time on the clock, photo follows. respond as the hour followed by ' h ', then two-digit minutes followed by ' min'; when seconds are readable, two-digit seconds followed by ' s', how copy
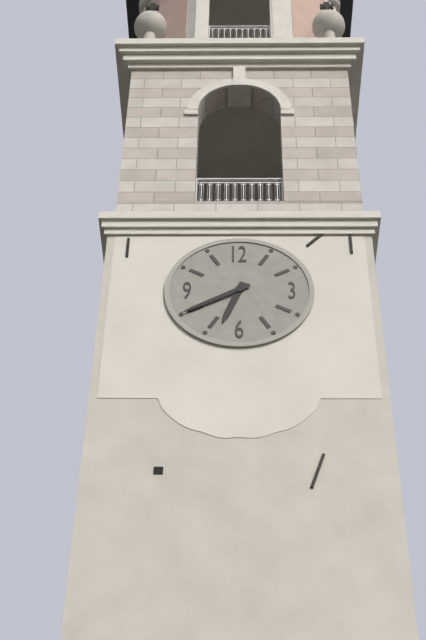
6 h 40 min
